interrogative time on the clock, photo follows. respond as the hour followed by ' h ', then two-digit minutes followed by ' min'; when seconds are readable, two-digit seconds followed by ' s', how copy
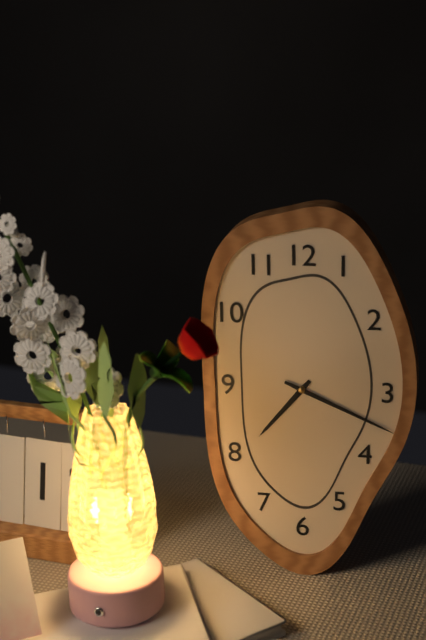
7 h 19 min
